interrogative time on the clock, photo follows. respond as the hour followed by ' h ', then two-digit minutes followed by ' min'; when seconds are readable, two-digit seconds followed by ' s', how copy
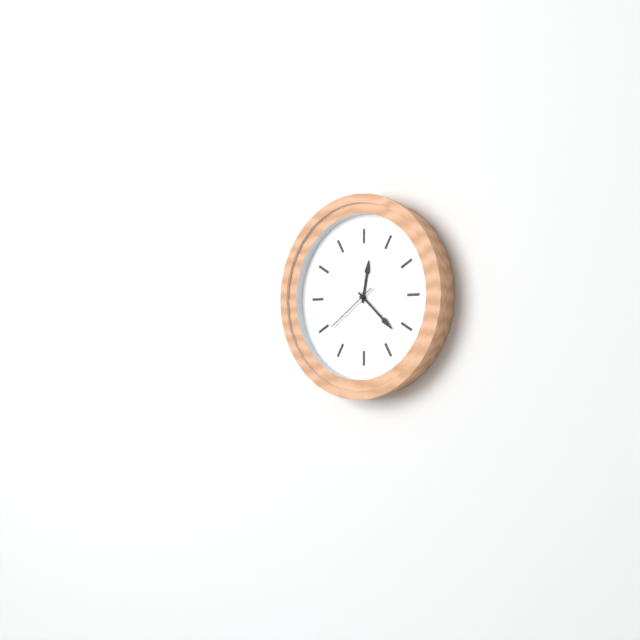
12 h 22 min 39 s
